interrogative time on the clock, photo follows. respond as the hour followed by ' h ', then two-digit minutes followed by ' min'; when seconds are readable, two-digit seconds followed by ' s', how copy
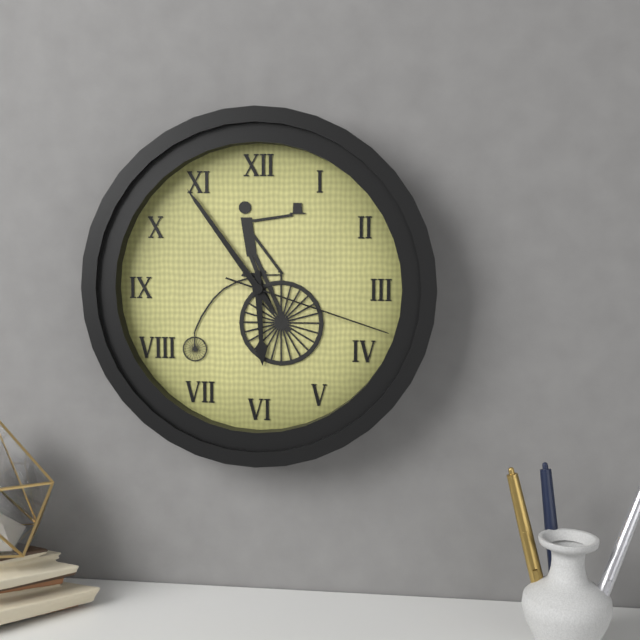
5 h 54 min 18 s
